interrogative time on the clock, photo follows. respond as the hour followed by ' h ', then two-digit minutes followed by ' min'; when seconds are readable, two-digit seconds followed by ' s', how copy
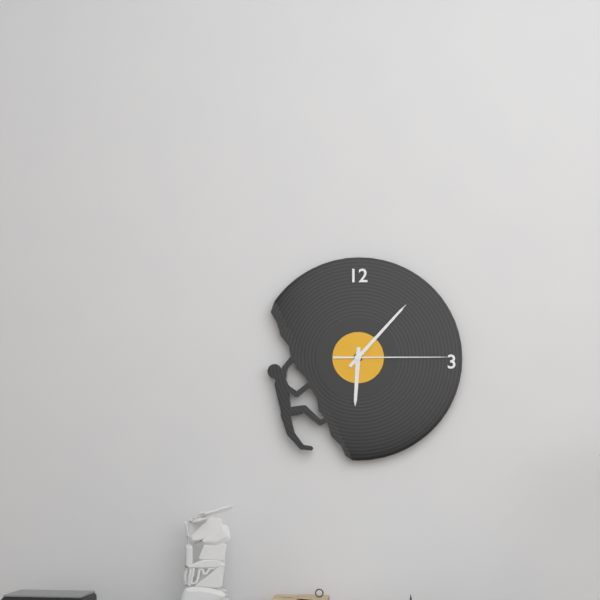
6 h 07 min 15 s
